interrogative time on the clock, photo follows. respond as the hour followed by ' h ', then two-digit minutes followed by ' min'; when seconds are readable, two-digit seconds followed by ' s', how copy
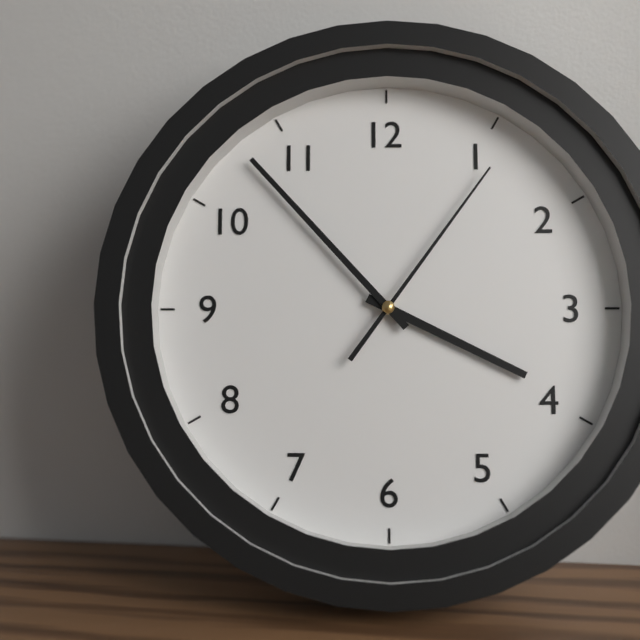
3 h 53 min 06 s
